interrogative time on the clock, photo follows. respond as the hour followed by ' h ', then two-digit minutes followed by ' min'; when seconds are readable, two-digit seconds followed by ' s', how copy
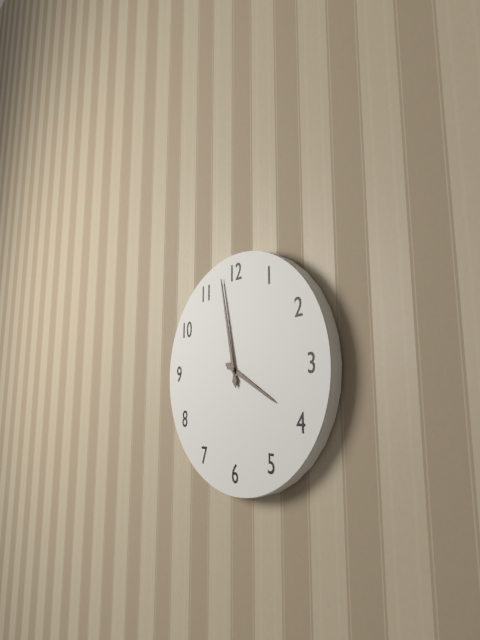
3 h 58 min
